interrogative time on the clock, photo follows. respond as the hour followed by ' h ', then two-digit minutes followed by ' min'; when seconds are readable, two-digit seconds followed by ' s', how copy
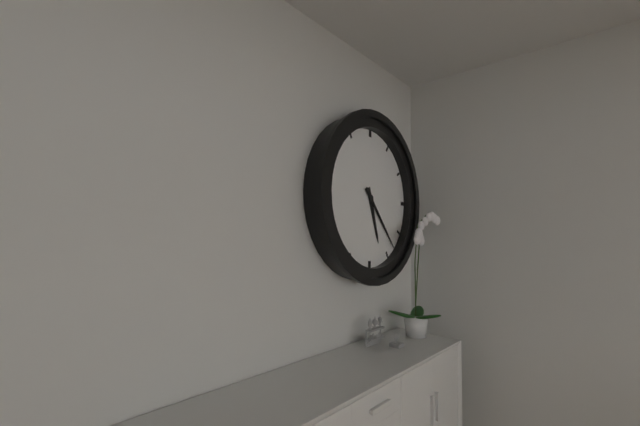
5 h 23 min
